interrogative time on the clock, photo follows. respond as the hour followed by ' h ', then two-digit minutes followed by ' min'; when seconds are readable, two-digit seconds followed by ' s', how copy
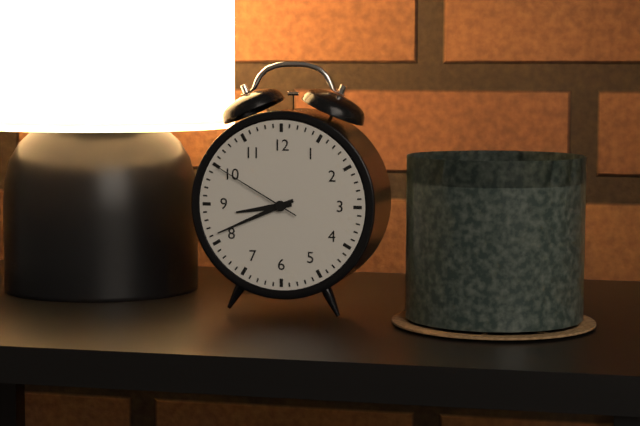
8 h 41 min 50 s
